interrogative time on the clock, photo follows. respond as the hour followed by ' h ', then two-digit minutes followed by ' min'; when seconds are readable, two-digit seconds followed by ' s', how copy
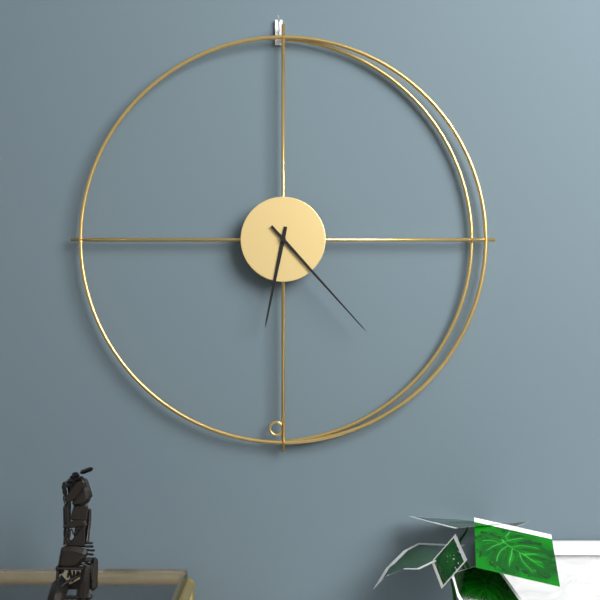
6 h 23 min
